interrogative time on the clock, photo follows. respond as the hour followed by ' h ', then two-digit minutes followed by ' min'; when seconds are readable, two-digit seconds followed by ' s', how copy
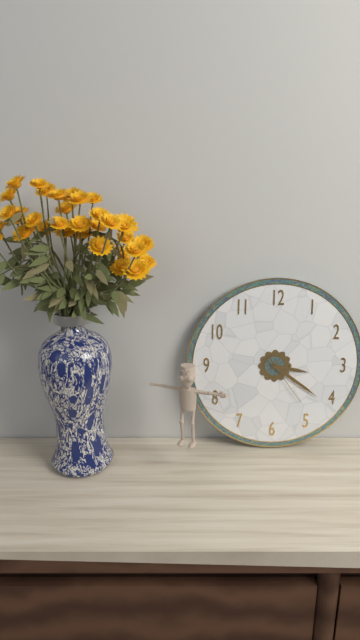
3 h 21 min 24 s
